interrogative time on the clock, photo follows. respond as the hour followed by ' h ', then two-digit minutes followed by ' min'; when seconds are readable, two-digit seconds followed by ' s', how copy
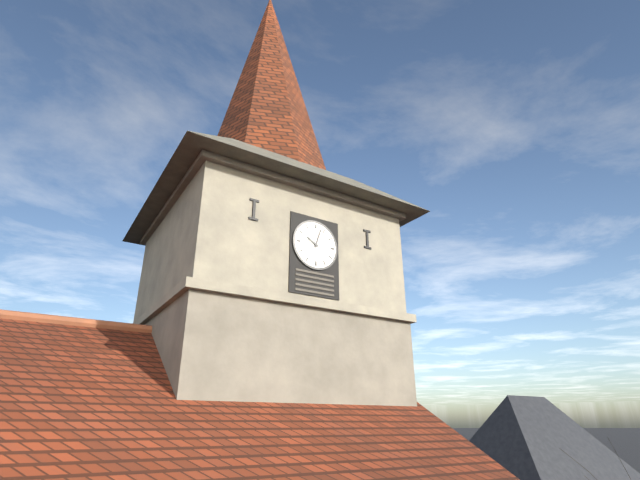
10 h 03 min
